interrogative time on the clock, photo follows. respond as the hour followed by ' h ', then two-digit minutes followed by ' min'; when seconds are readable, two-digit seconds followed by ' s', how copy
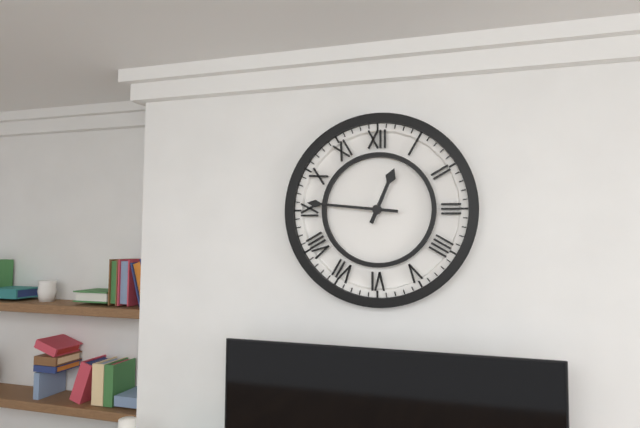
12 h 46 min
